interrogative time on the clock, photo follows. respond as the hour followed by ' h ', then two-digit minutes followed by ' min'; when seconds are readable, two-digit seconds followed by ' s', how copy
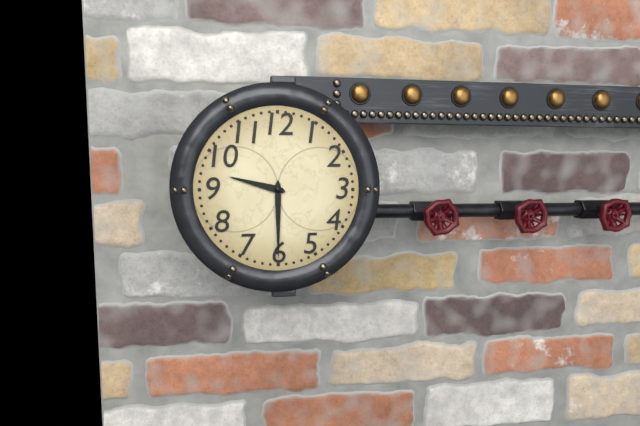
9 h 30 min
